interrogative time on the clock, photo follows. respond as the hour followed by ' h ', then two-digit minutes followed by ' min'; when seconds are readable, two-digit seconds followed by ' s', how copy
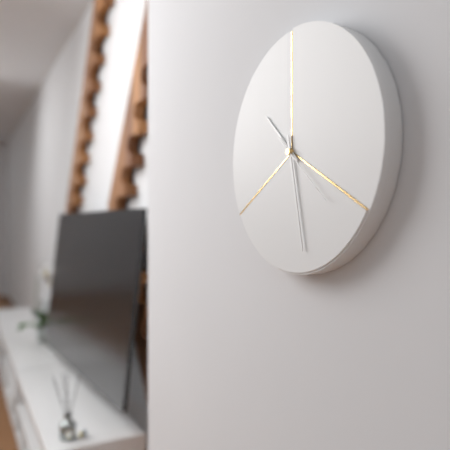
10 h 28 min 22 s
